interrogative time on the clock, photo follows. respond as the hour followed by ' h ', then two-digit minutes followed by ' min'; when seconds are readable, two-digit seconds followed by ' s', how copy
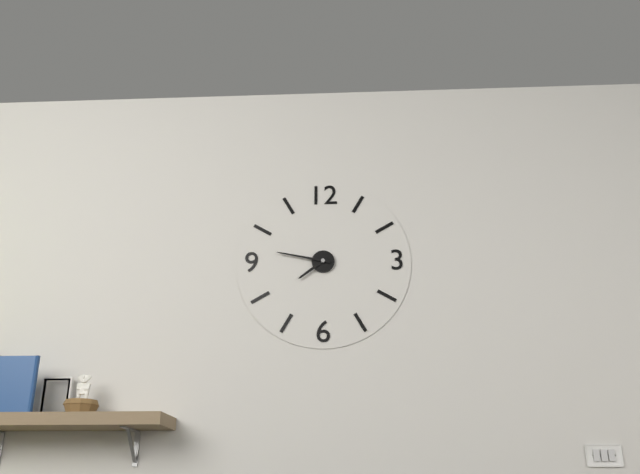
7 h 47 min
